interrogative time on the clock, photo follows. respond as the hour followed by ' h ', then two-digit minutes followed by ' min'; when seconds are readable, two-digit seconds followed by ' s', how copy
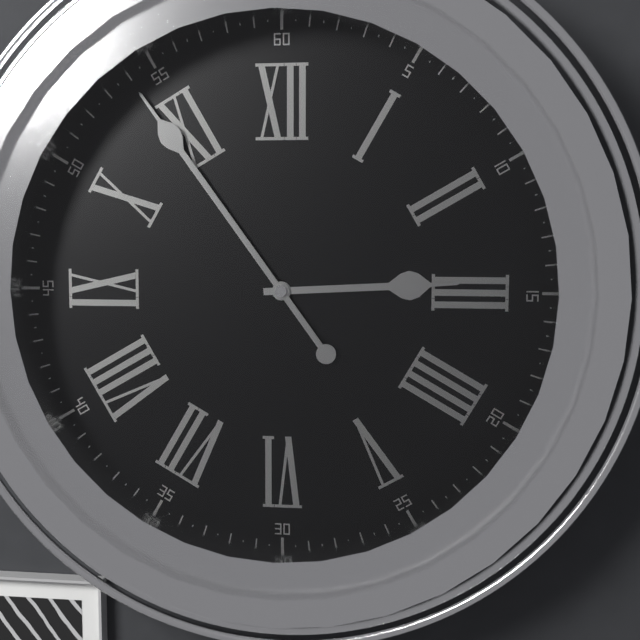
2 h 54 min
